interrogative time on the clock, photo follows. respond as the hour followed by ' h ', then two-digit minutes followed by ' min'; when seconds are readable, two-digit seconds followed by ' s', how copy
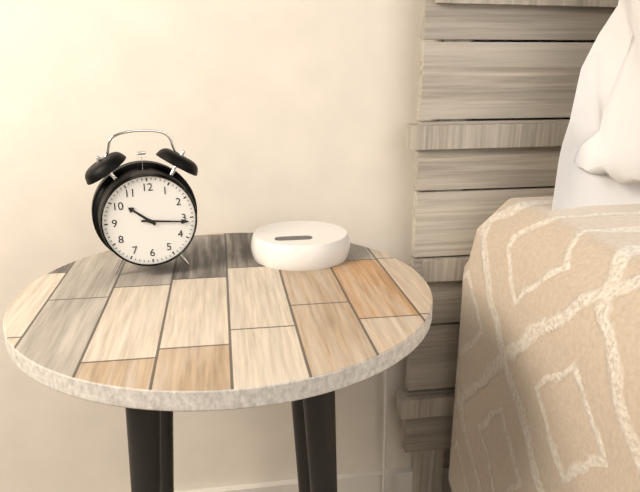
10 h 16 min
